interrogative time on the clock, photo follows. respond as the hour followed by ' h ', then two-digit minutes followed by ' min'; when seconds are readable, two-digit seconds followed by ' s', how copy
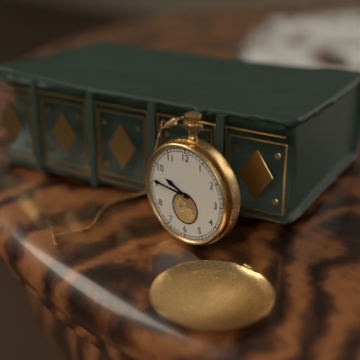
9 h 46 min
